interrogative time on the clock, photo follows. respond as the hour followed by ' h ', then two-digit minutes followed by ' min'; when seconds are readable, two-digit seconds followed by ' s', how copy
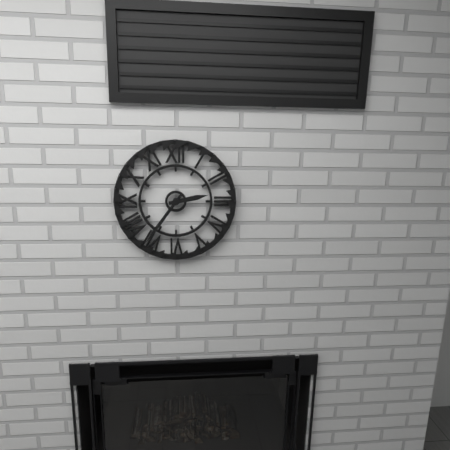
2 h 36 min
